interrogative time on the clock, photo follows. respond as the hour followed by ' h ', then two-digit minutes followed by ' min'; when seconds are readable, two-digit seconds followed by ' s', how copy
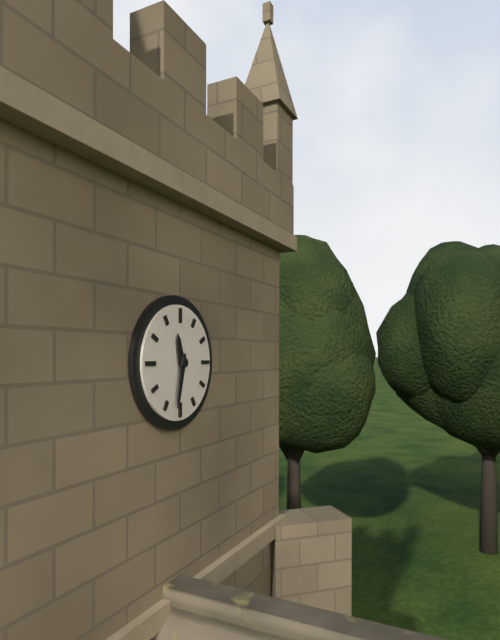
11 h 32 min
